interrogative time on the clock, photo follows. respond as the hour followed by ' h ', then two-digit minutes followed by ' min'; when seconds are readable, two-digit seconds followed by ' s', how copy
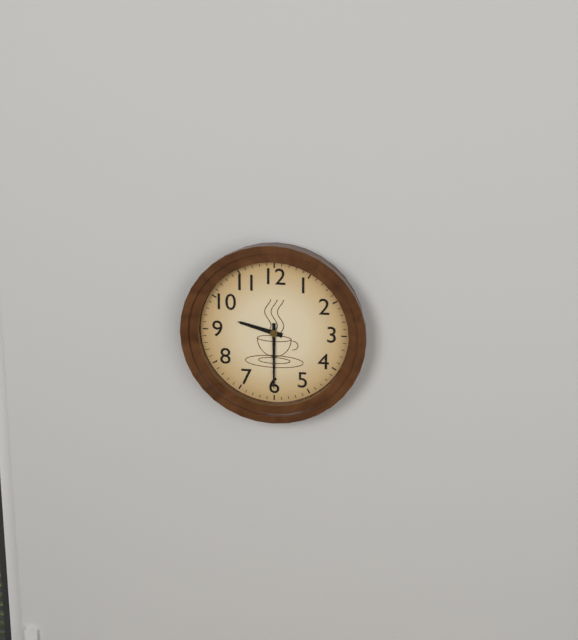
9 h 30 min
